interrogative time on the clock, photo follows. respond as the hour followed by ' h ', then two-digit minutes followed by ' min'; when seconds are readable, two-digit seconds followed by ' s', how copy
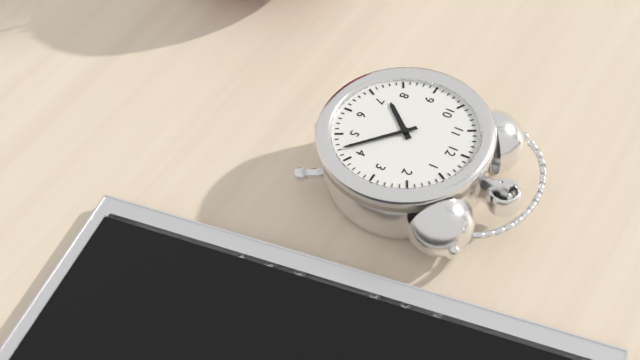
7 h 22 min
